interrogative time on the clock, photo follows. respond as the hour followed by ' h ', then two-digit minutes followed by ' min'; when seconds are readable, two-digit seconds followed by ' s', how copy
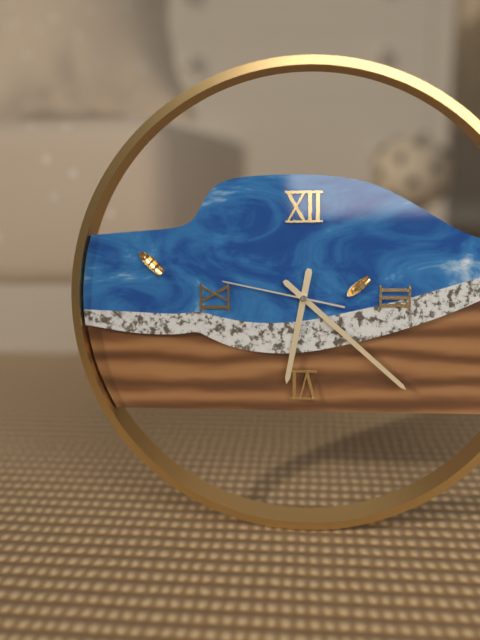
6 h 22 min 47 s
